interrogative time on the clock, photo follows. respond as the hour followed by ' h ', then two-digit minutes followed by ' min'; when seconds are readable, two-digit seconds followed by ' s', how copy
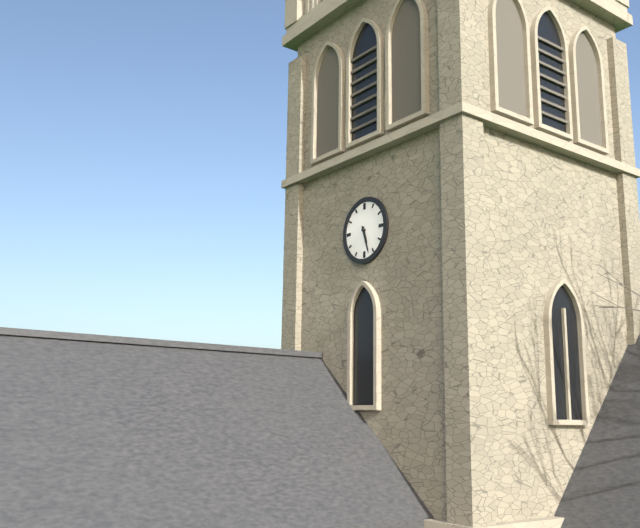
5 h 27 min
